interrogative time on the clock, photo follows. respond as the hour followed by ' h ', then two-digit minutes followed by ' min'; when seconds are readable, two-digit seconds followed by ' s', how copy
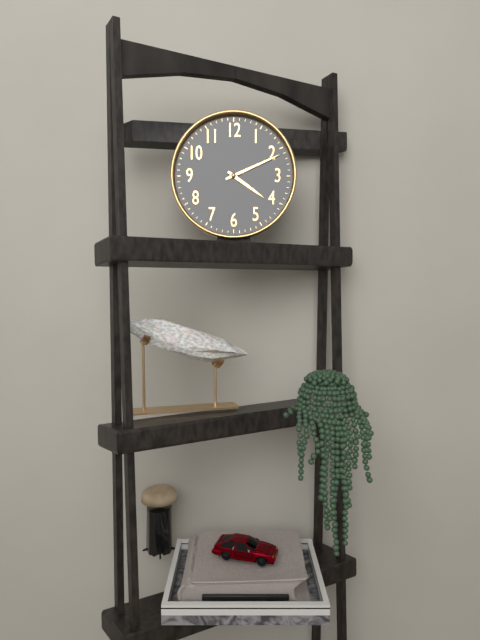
4 h 11 min
